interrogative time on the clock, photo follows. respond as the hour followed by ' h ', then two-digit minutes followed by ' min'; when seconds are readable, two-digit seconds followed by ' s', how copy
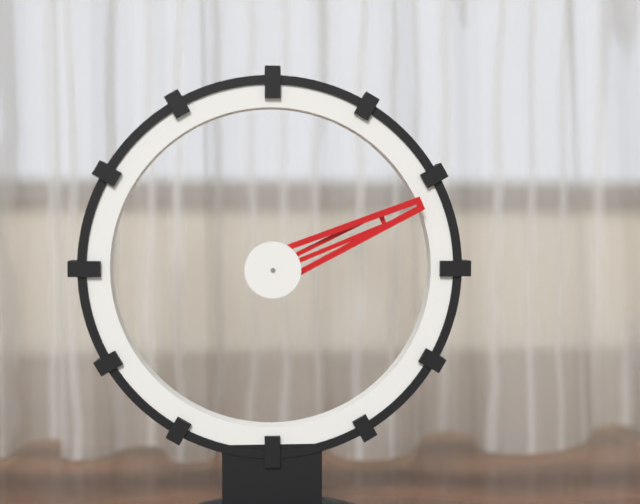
2 h 11 min
